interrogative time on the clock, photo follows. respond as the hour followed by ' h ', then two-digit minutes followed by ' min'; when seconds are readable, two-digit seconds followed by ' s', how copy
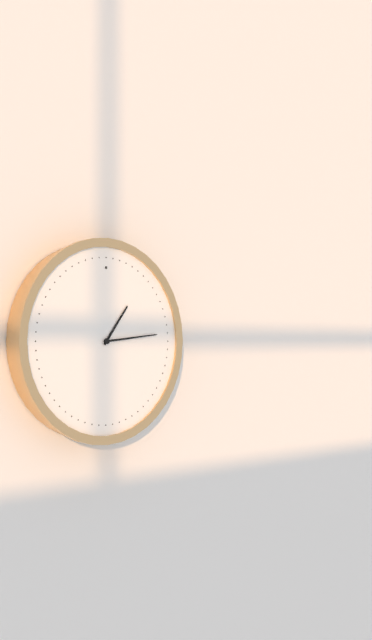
1 h 14 min
